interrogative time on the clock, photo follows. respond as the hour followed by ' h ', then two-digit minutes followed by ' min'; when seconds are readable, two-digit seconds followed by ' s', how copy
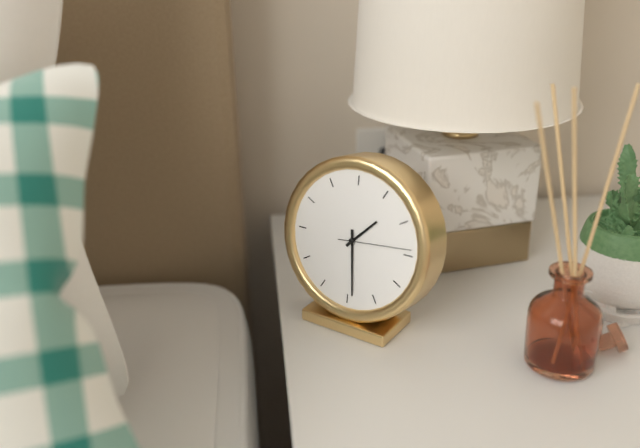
1 h 29 min 14 s
